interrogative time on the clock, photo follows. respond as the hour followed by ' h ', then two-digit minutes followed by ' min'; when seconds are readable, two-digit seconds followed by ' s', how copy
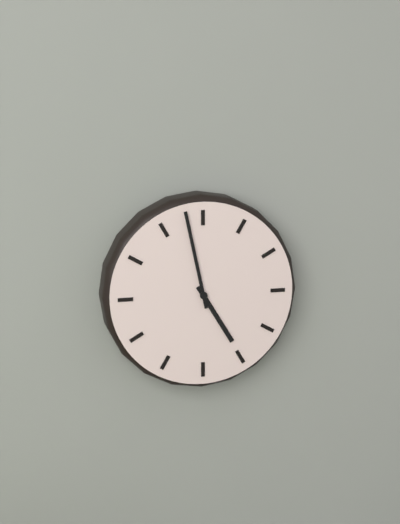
4 h 58 min
